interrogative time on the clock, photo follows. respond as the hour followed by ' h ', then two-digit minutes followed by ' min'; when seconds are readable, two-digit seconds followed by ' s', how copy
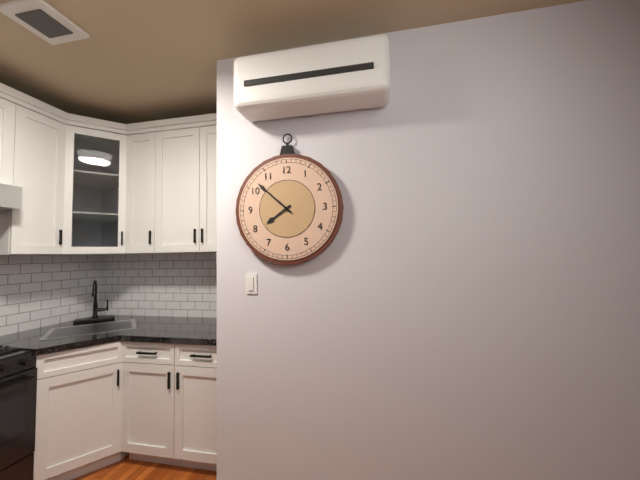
7 h 52 min
